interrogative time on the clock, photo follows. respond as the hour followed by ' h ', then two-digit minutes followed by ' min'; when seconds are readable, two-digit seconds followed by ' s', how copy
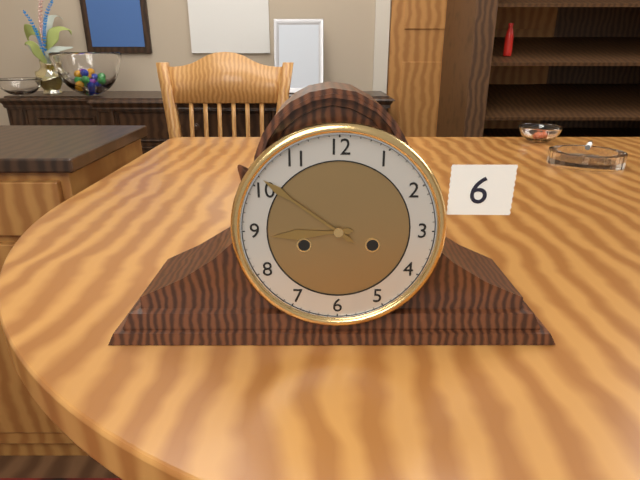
8 h 51 min
